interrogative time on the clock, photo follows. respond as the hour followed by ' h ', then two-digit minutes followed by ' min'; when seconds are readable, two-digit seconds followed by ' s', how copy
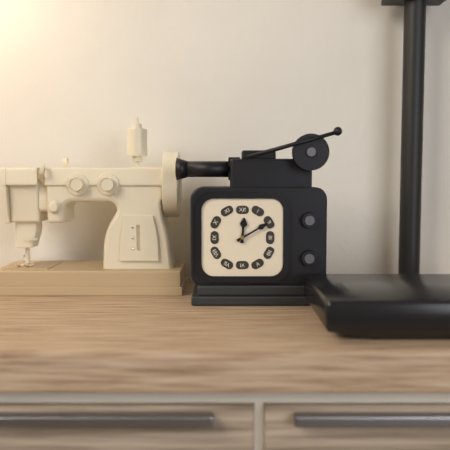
12 h 10 min
